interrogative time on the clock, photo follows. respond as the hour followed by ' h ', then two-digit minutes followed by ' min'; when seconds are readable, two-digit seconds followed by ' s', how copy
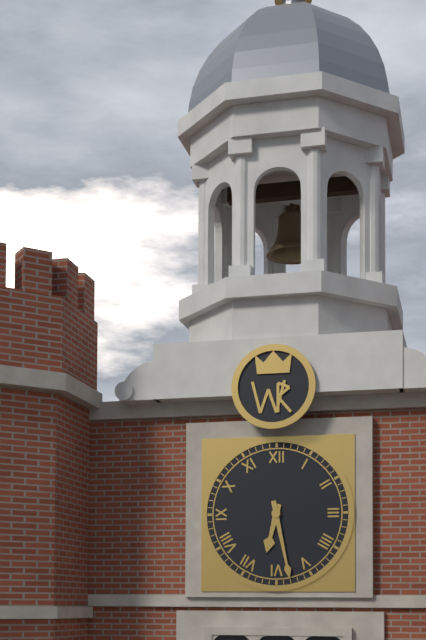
6 h 28 min
